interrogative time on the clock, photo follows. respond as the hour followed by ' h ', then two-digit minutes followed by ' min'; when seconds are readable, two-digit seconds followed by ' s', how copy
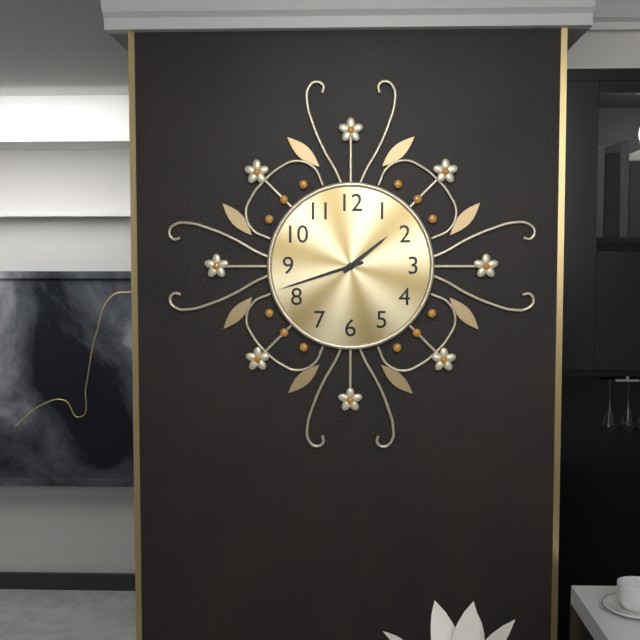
1 h 42 min
